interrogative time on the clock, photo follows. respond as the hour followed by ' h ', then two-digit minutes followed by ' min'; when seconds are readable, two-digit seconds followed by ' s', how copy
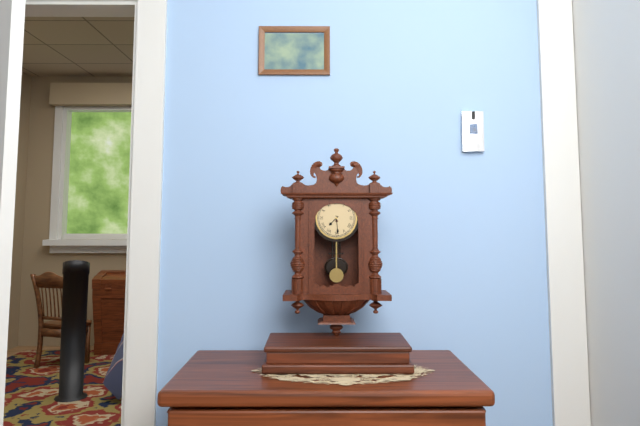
7 h 29 min
